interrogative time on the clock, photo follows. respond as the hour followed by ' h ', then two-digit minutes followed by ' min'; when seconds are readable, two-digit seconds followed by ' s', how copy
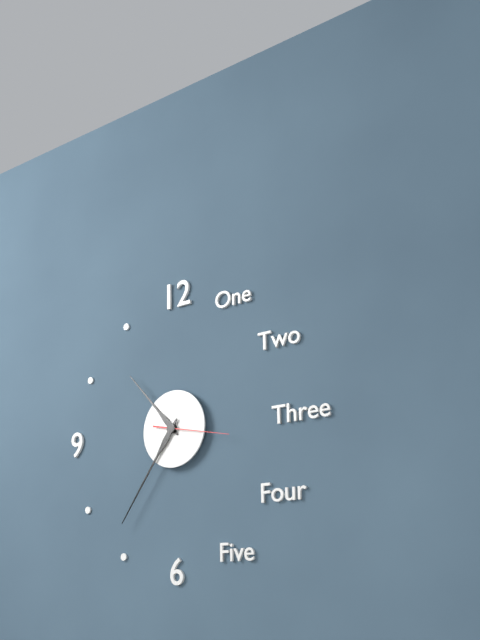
10 h 36 min 17 s
